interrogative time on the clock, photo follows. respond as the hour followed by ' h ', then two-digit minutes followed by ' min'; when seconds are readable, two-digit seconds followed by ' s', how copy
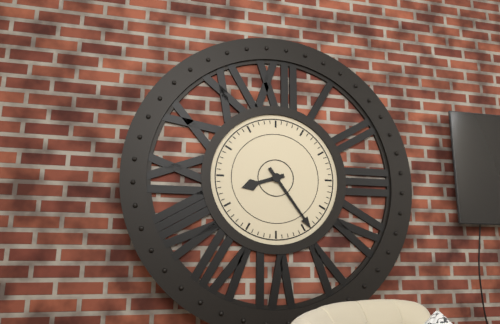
8 h 24 min
